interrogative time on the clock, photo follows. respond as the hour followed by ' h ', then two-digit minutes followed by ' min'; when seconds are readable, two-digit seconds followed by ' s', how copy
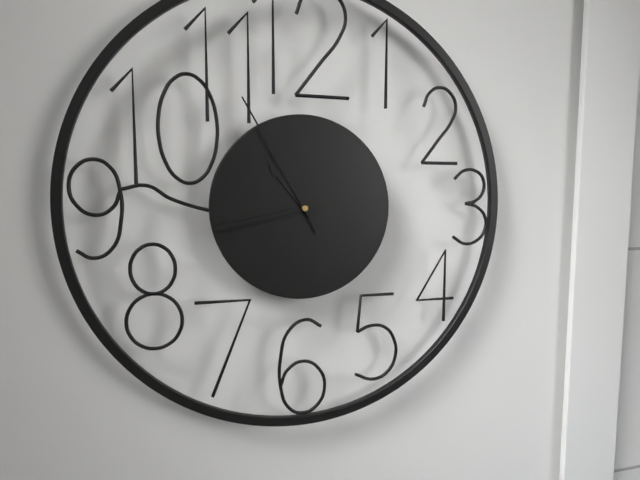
10 h 43 min 55 s
